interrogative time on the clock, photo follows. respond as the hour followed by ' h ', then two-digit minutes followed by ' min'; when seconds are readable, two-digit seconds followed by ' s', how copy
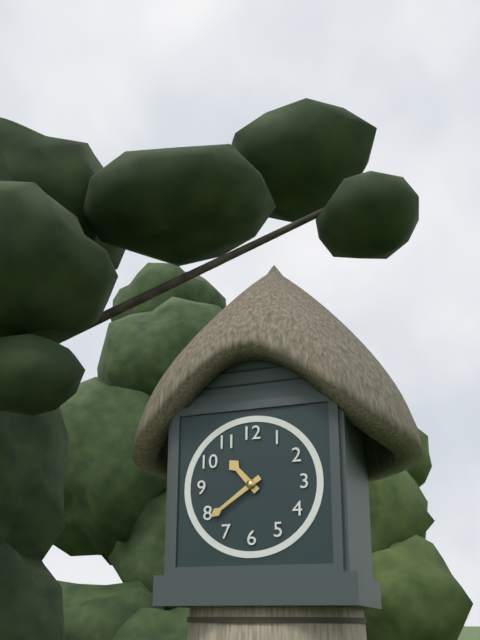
10 h 39 min
